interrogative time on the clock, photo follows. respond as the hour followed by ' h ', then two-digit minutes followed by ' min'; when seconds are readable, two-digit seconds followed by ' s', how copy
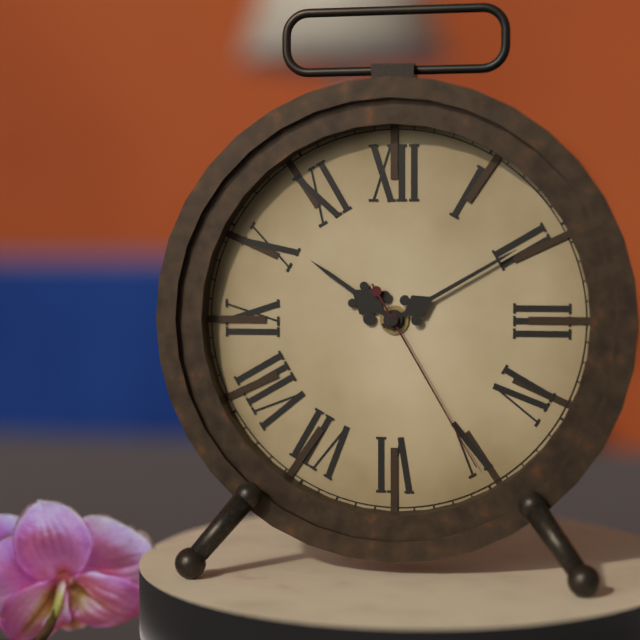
10 h 10 min 25 s
